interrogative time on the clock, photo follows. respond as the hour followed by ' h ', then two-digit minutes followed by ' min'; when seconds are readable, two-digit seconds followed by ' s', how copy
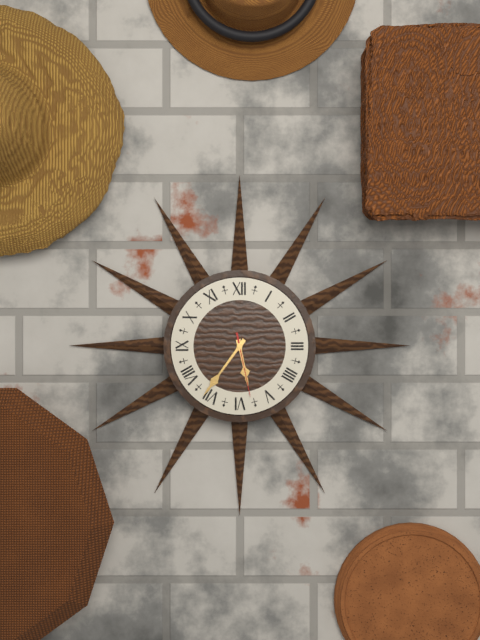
5 h 36 min 28 s
